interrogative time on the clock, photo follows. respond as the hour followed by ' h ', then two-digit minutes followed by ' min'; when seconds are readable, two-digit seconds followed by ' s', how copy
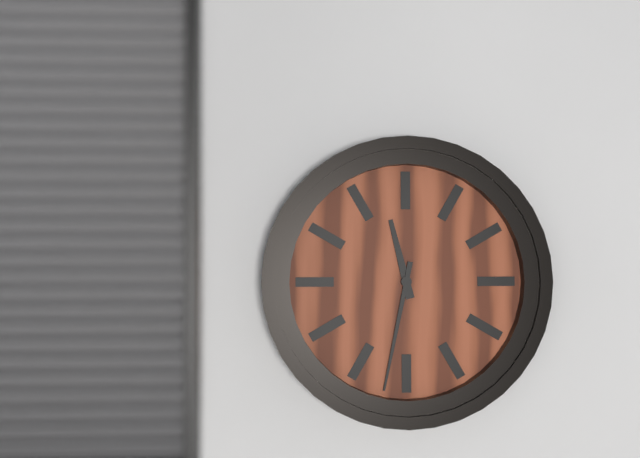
11 h 32 min
